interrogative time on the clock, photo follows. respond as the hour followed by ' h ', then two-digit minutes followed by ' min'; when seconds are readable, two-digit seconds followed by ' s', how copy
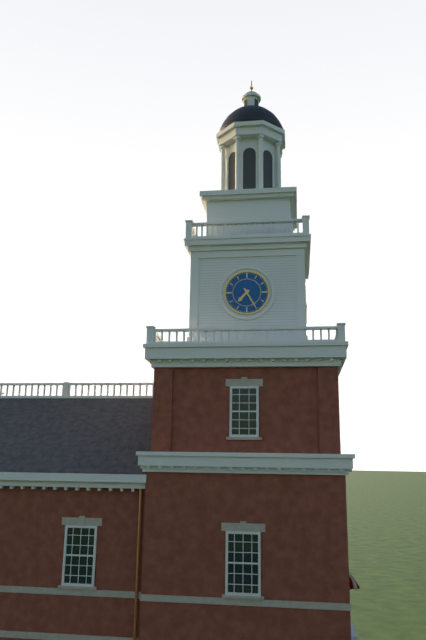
7 h 25 min
